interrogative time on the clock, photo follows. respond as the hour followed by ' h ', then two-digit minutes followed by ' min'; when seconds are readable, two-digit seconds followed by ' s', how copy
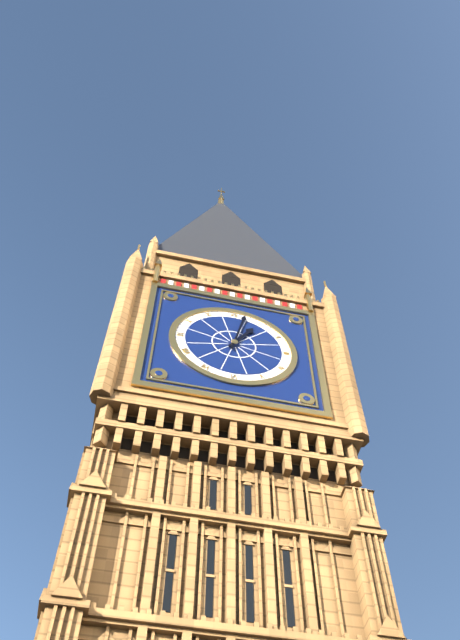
1 h 02 min
